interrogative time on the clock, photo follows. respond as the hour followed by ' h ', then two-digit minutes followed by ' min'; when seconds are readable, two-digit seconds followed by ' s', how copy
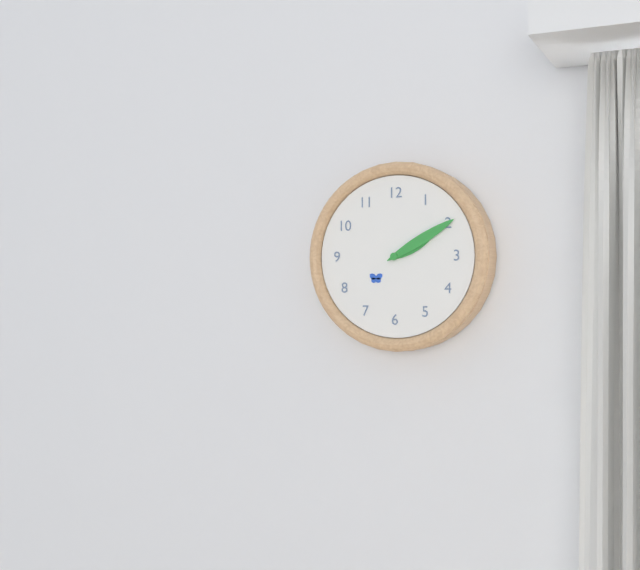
2 h 10 min
